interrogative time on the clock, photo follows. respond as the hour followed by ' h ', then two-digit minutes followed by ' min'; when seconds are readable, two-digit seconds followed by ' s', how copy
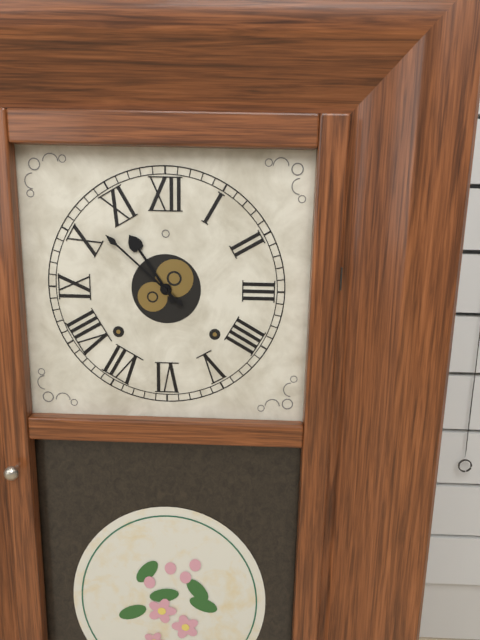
10 h 52 min
